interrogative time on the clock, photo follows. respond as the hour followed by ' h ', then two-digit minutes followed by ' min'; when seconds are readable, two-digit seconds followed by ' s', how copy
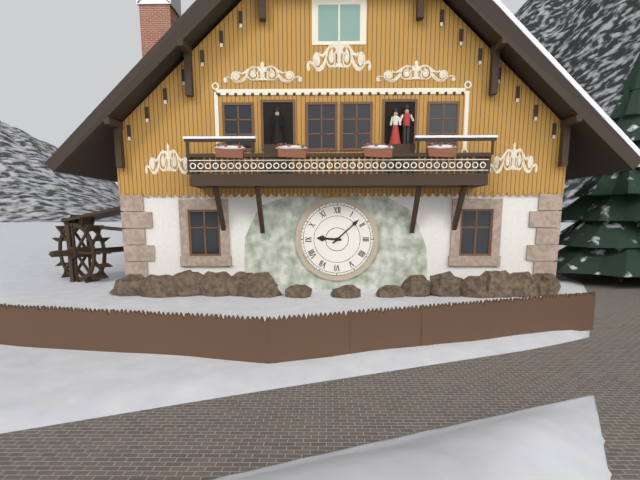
9 h 08 min
